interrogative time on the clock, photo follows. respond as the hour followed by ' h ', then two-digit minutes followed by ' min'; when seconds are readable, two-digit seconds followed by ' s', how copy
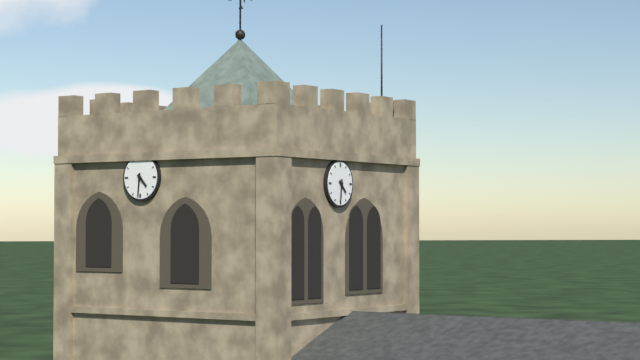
4 h 31 min
